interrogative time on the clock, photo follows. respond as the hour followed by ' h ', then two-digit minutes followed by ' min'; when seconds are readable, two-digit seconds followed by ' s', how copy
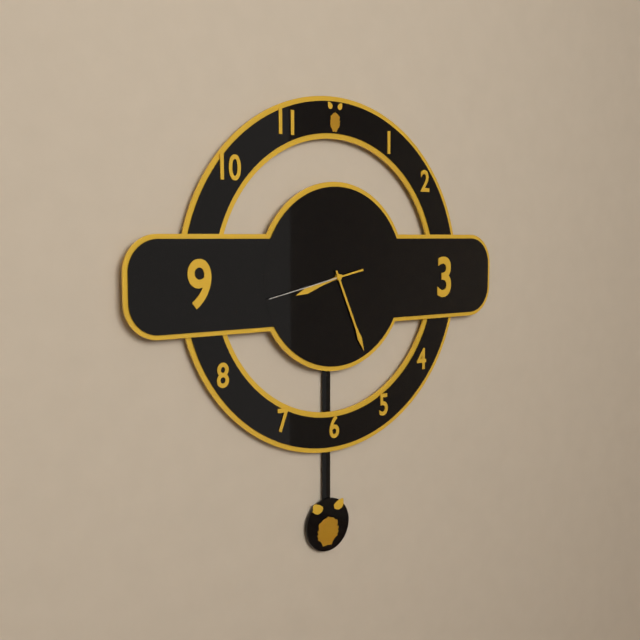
8 h 26 min 43 s
